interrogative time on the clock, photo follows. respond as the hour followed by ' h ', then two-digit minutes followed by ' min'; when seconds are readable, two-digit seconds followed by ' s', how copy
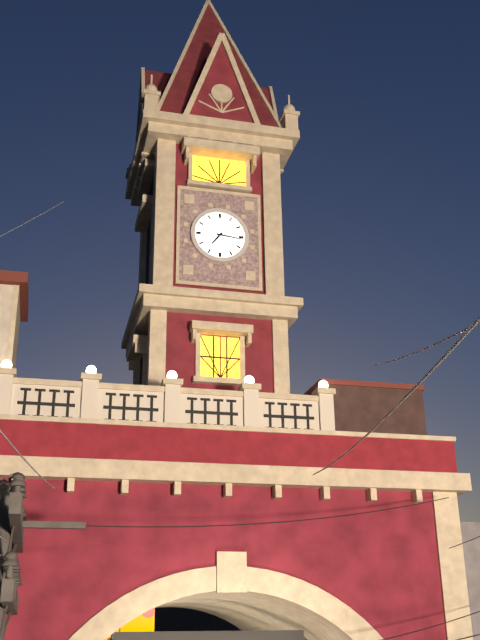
7 h 16 min
